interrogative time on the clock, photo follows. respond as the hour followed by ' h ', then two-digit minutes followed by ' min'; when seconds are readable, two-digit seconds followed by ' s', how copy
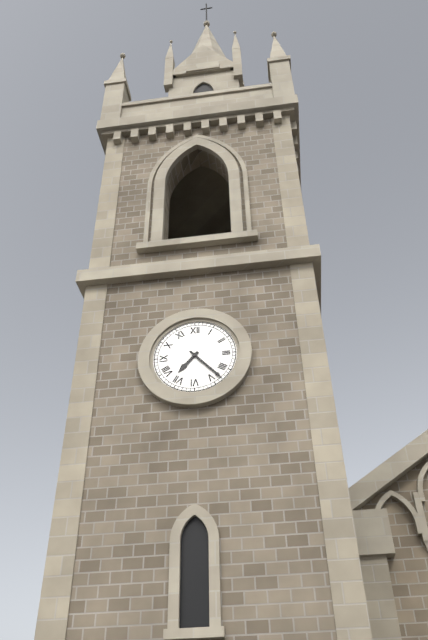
7 h 23 min
